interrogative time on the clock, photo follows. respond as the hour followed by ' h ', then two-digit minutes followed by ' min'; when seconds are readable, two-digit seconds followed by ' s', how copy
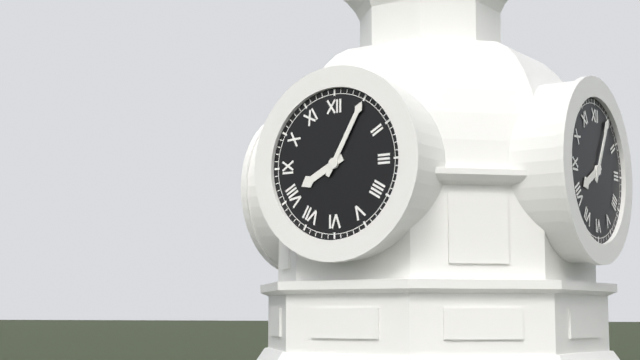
8 h 05 min
